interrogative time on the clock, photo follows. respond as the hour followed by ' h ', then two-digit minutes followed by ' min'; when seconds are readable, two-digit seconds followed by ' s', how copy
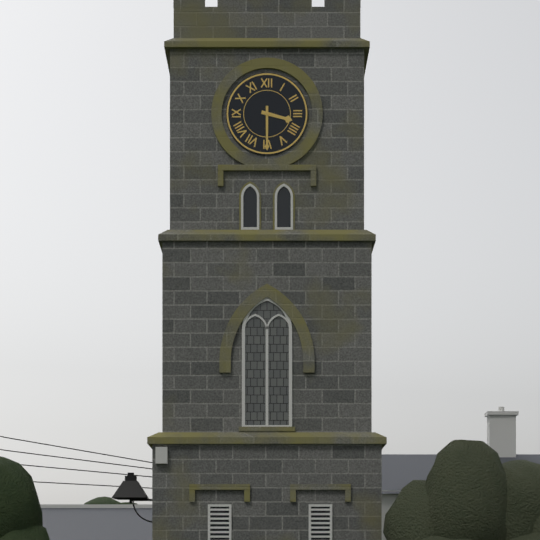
3 h 30 min
